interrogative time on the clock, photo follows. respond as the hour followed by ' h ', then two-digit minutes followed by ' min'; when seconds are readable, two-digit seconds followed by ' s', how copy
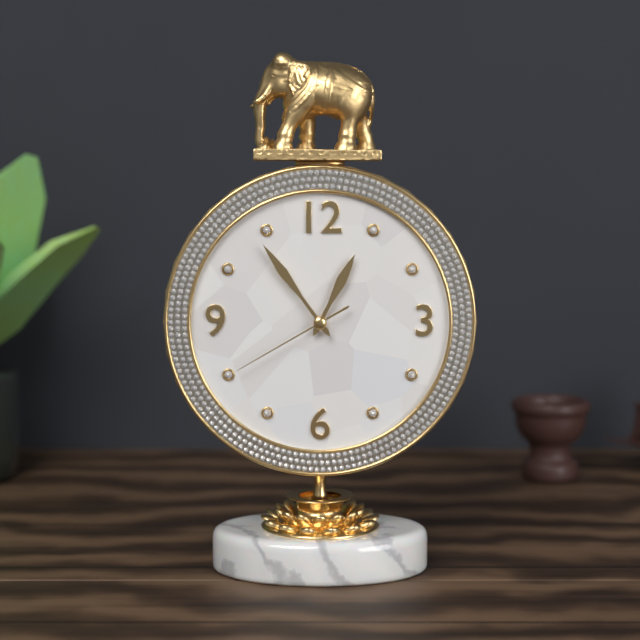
12 h 54 min 40 s
